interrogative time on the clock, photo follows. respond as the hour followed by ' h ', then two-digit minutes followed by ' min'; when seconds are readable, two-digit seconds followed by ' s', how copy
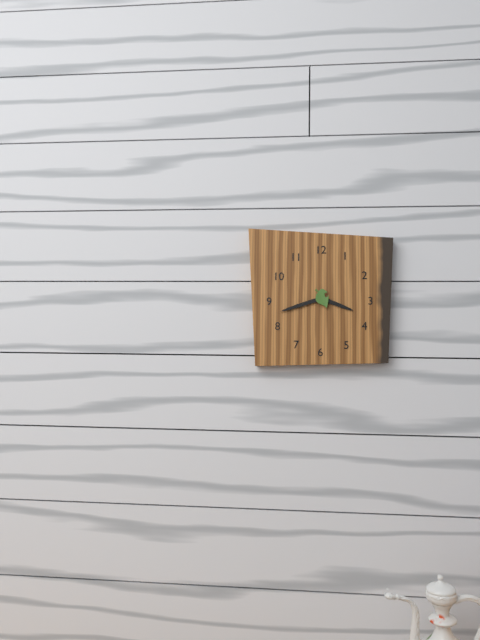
3 h 42 min
